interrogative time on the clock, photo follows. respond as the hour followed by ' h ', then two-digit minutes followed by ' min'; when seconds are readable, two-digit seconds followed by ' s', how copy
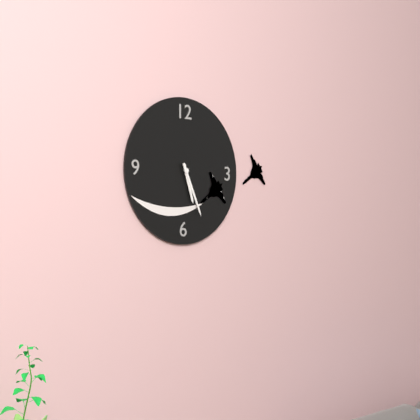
5 h 26 min
